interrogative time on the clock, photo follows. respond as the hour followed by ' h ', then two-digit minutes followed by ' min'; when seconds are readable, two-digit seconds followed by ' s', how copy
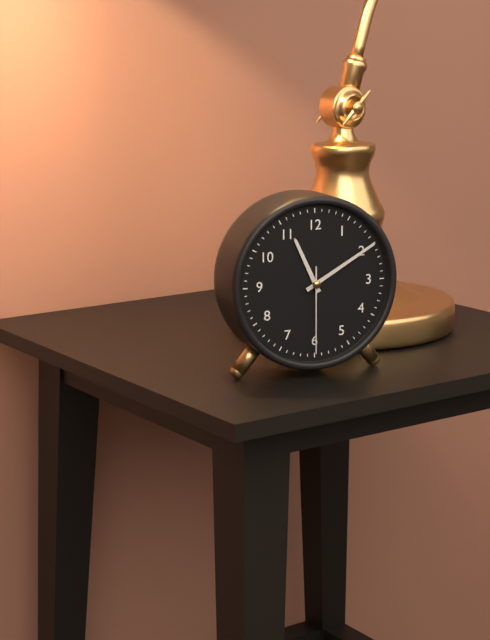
11 h 10 min 30 s
